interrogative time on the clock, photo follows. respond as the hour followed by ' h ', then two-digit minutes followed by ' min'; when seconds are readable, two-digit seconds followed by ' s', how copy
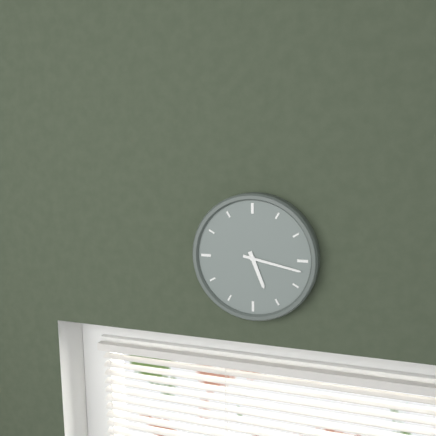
5 h 17 min
